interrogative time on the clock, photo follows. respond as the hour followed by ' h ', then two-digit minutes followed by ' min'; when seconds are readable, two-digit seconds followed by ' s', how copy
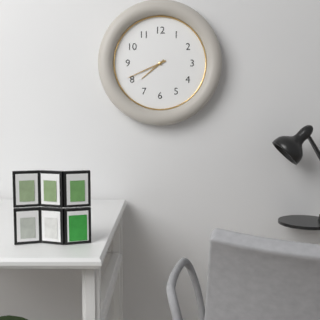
7 h 41 min
